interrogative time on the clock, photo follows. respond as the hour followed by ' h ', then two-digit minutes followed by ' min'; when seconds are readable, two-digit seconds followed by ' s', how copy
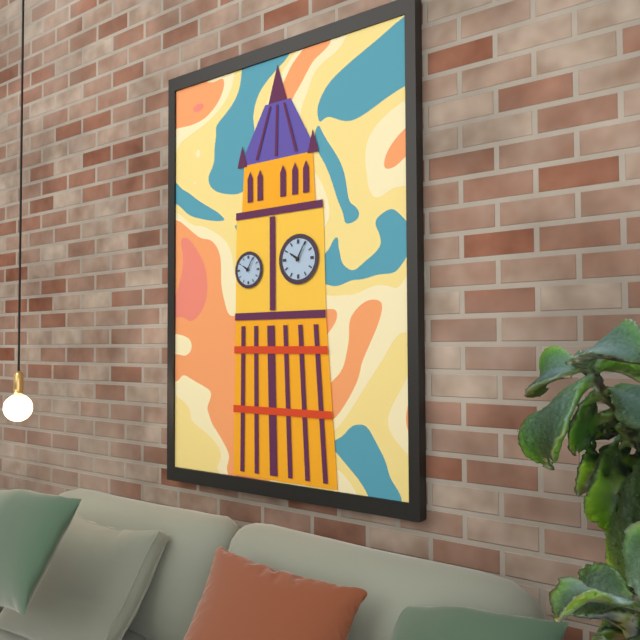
10 h 05 min
